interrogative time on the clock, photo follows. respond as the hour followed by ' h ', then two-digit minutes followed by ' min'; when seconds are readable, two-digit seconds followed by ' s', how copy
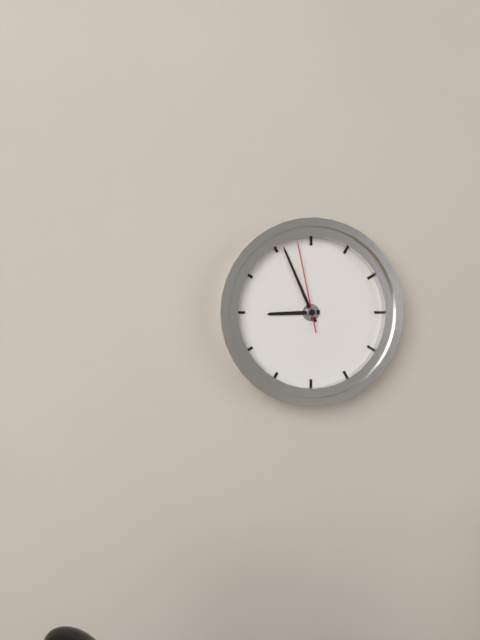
8 h 56 min 58 s
